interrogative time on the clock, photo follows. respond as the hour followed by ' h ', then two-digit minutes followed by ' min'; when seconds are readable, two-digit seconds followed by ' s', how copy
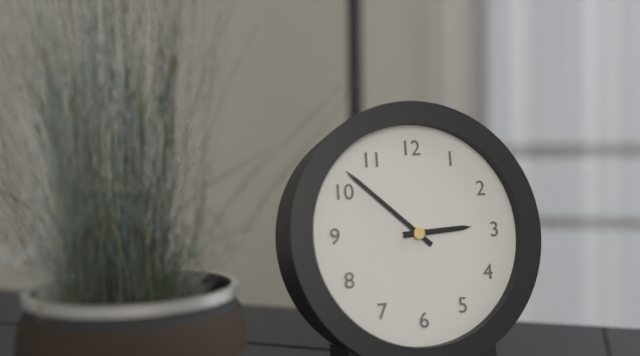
2 h 52 min
